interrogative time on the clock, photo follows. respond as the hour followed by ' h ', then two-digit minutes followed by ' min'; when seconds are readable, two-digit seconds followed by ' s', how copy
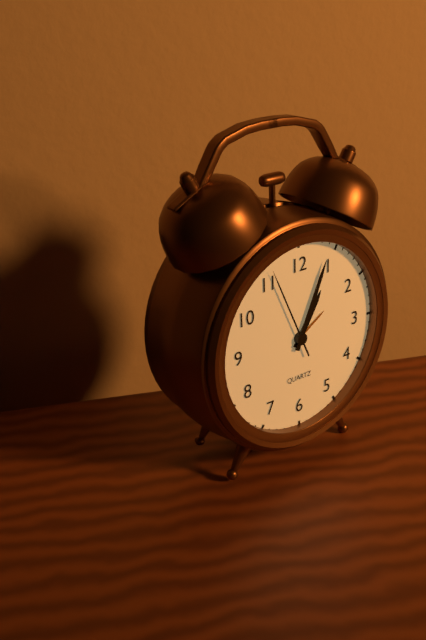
1 h 04 min 56 s
